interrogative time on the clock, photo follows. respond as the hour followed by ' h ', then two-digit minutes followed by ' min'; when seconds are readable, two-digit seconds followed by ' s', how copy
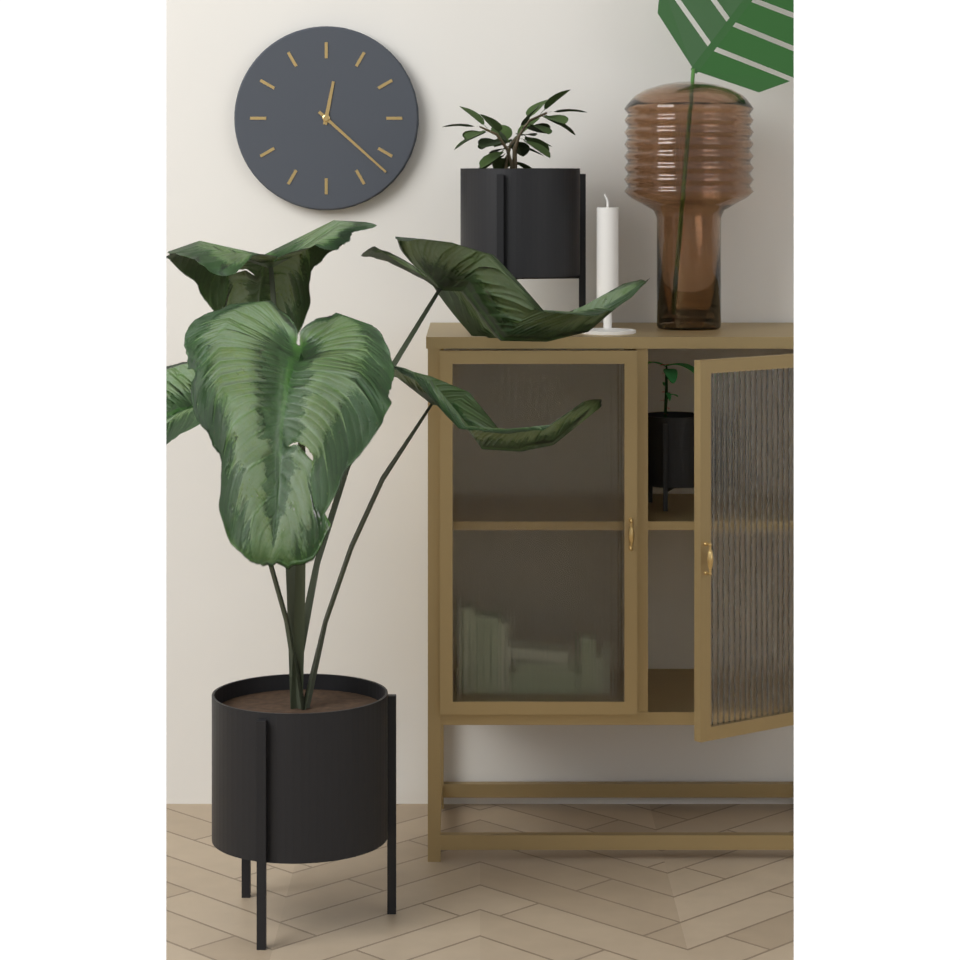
12 h 22 min
